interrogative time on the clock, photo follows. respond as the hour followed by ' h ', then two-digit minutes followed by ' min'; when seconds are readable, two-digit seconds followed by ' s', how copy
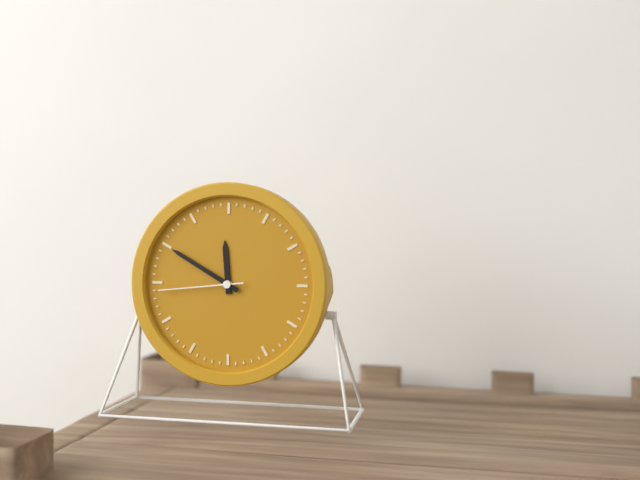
11 h 50 min 44 s
